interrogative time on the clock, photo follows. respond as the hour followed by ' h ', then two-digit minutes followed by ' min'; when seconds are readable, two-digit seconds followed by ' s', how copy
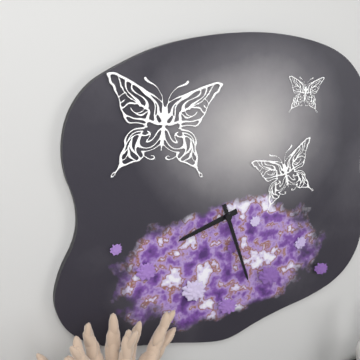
8 h 27 min
